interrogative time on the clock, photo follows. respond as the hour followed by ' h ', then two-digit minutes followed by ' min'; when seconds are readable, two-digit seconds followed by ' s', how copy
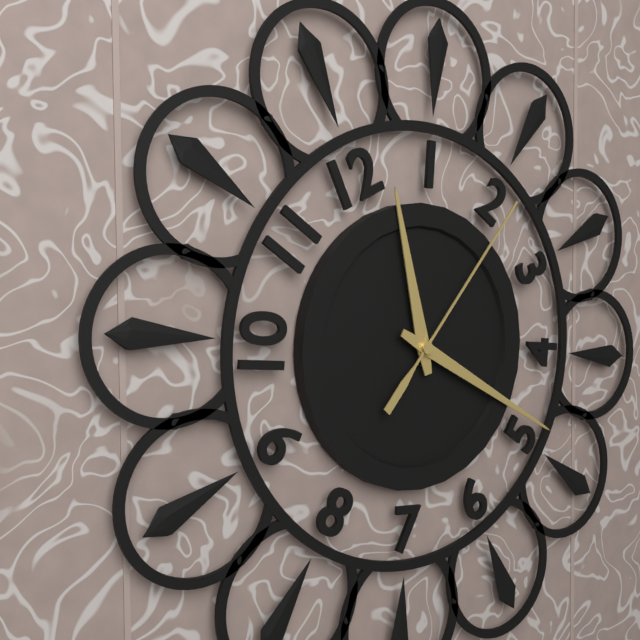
12 h 24 min 11 s
